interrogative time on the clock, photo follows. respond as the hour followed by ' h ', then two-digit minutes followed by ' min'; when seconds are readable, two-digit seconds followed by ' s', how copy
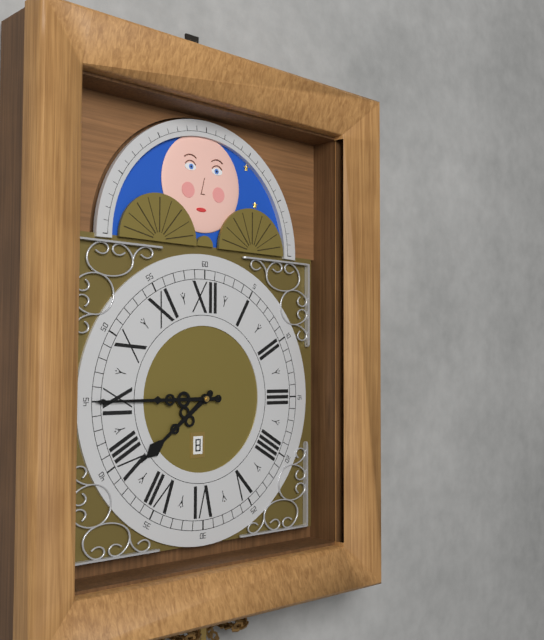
7 h 45 min
